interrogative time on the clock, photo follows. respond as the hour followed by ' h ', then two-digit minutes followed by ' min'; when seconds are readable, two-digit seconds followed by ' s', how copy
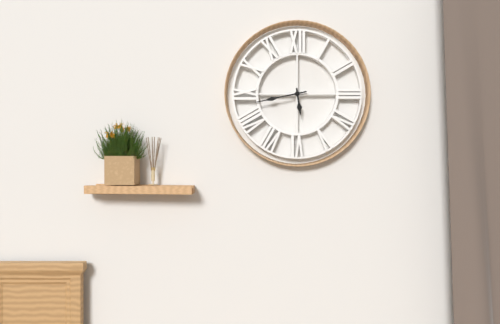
5 h 43 min
